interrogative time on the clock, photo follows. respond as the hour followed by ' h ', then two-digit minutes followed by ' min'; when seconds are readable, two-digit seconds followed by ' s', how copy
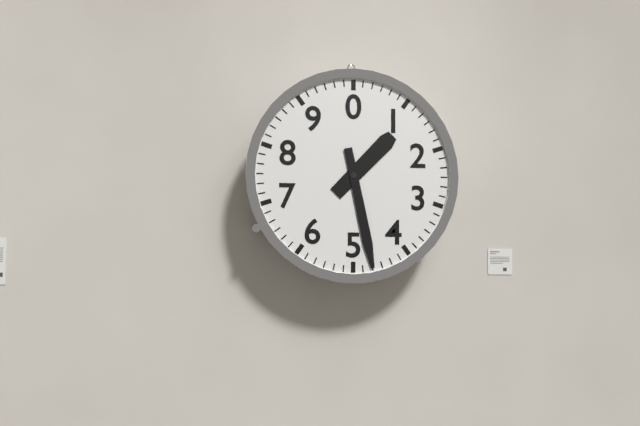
1 h 28 min
